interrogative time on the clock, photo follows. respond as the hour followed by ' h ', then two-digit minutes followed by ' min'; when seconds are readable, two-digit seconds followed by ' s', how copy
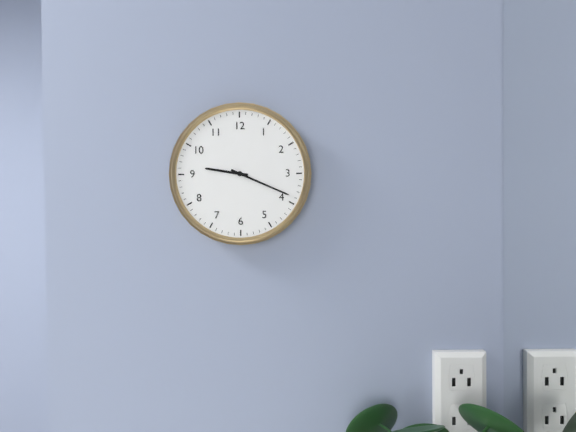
9 h 19 min
